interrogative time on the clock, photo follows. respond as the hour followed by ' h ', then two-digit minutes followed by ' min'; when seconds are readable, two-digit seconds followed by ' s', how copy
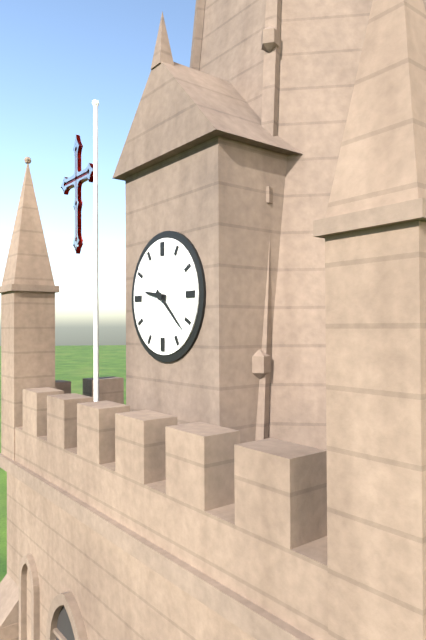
9 h 22 min
